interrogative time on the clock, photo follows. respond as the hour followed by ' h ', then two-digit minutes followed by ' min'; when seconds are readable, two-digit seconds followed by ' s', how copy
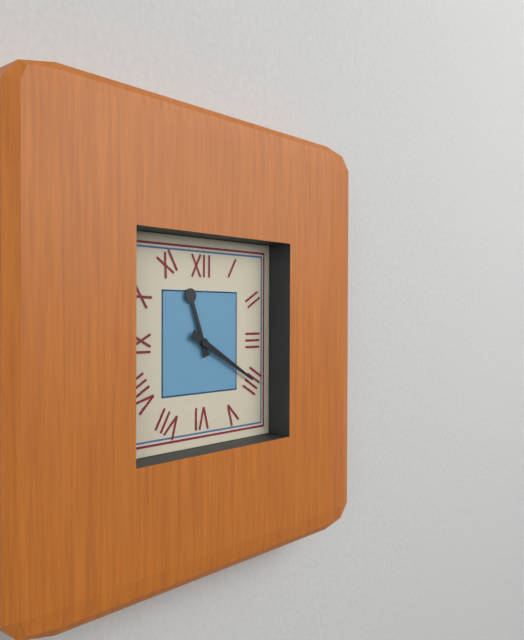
11 h 20 min
